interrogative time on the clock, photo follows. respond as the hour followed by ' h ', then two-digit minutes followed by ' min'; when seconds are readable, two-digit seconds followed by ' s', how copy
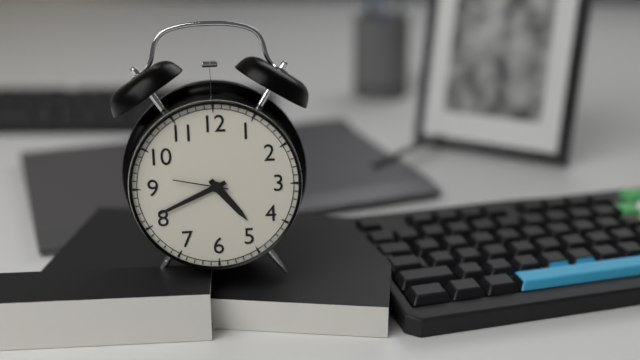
4 h 41 min 47 s
